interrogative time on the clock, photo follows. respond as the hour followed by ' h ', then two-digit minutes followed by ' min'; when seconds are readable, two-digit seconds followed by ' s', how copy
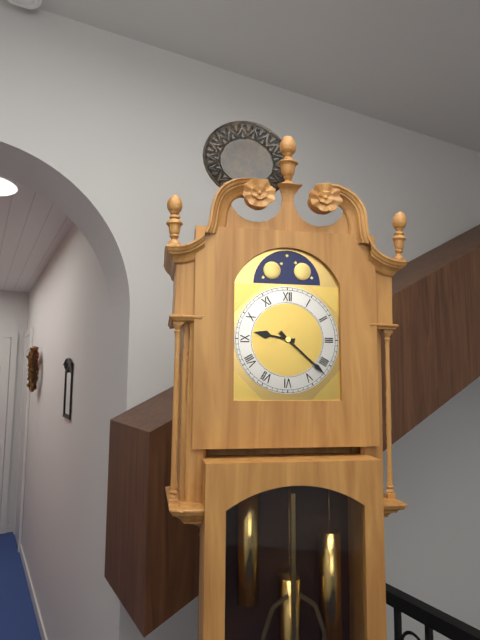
9 h 22 min
